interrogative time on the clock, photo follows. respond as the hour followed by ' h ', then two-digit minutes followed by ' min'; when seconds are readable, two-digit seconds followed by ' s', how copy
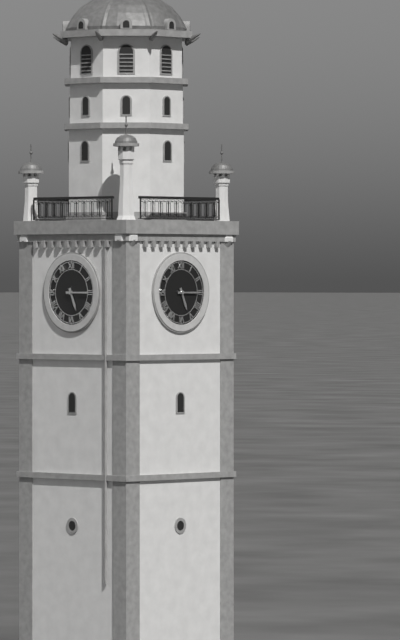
5 h 15 min
